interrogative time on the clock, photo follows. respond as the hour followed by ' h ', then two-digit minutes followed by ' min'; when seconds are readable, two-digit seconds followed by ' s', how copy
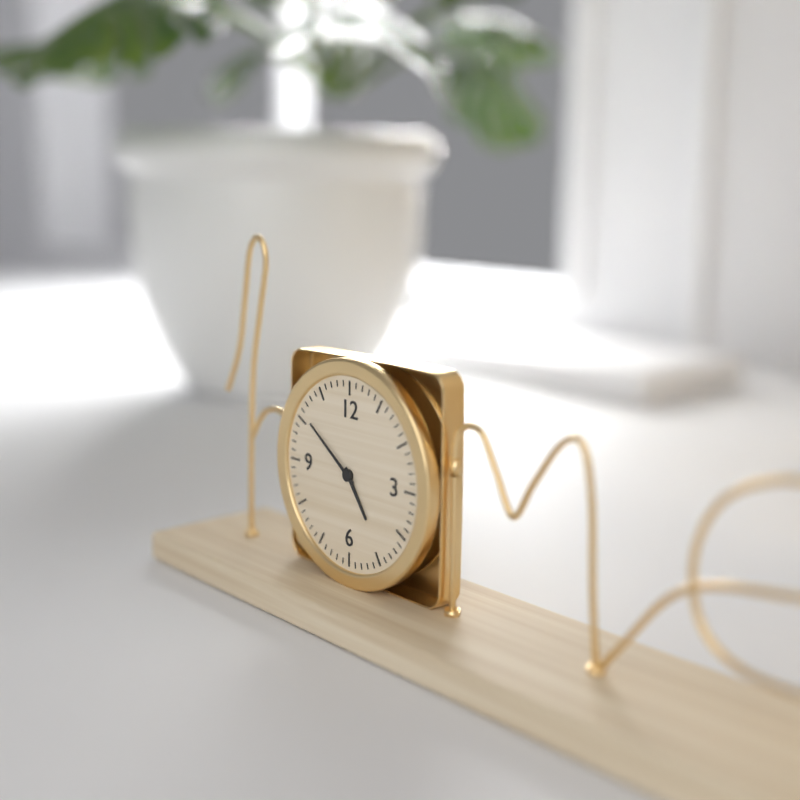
4 h 51 min
